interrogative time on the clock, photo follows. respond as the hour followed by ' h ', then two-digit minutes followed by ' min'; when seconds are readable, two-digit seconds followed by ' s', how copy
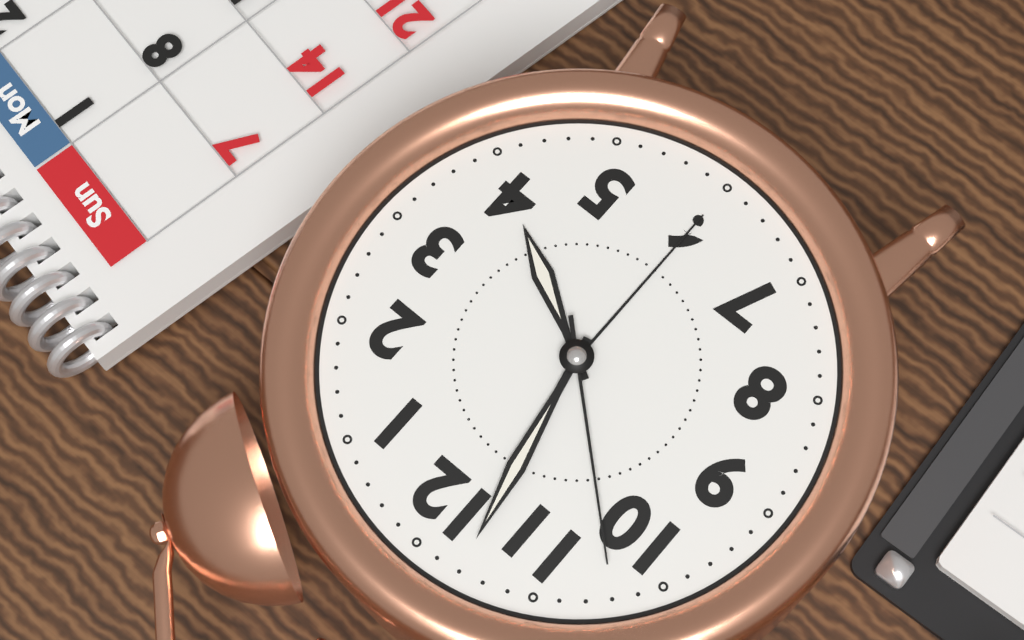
3 h 58 min 52 s
